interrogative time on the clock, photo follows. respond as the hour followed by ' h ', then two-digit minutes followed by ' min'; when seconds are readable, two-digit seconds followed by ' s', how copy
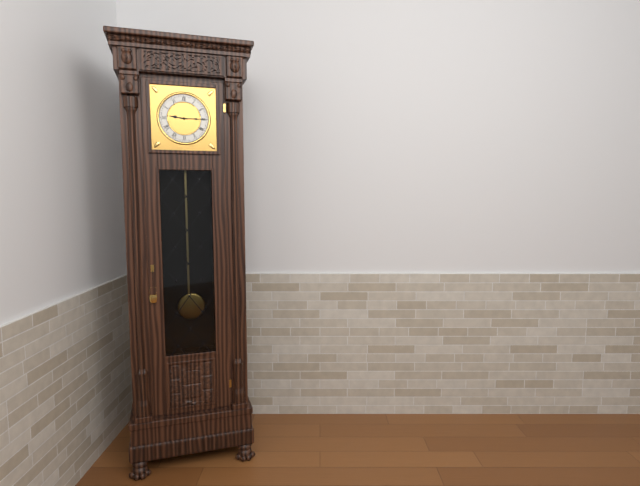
9 h 15 min
